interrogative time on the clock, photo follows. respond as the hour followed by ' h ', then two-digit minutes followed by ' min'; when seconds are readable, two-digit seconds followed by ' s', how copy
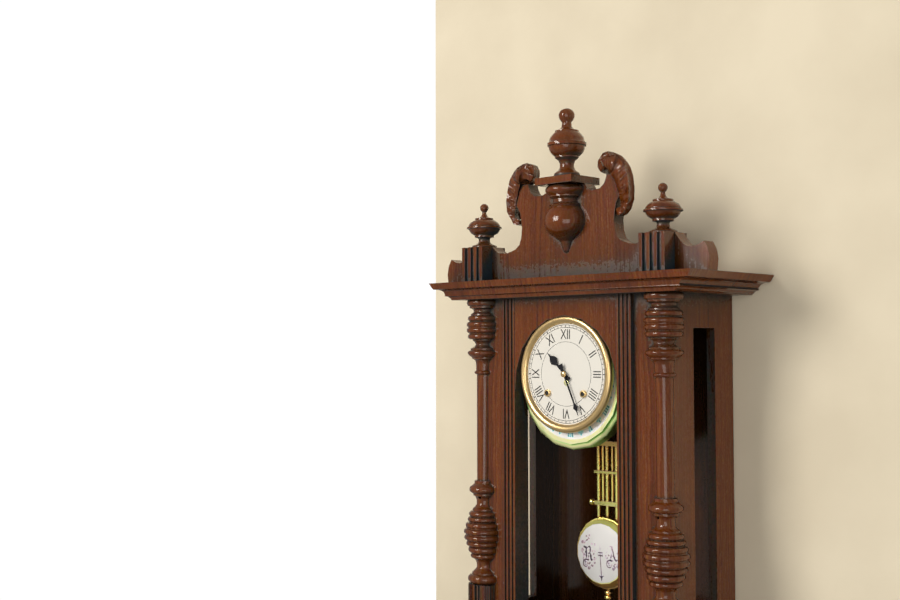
10 h 26 min
